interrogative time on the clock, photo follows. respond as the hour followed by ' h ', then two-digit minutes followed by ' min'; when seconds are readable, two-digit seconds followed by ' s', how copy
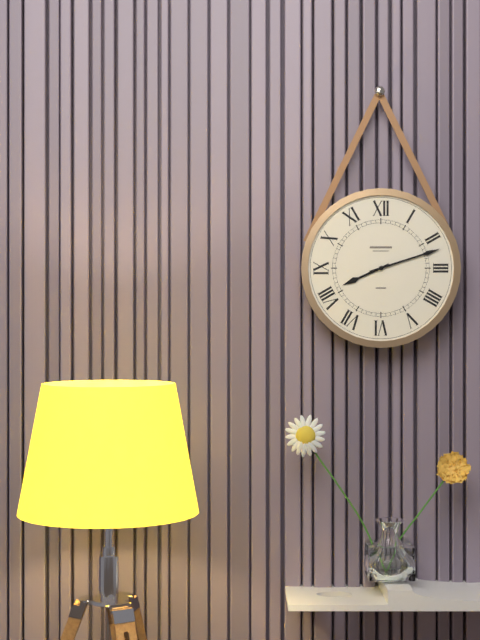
8 h 12 min
